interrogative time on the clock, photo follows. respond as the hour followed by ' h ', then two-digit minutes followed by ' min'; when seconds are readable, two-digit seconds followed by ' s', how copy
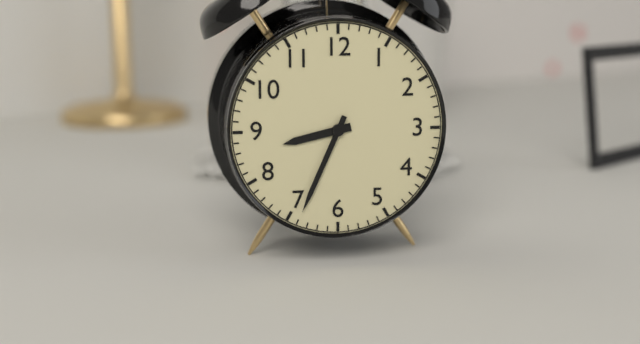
8 h 34 min
